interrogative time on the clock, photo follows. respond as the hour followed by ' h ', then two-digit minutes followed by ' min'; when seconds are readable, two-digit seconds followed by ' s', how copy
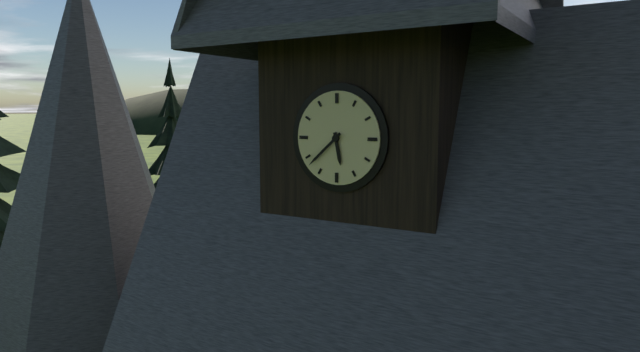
5 h 38 min
